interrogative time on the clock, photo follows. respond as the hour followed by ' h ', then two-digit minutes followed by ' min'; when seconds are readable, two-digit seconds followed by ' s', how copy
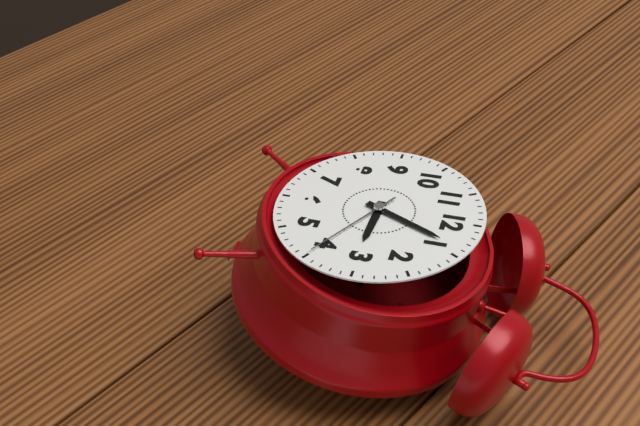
3 h 04 min 20 s
